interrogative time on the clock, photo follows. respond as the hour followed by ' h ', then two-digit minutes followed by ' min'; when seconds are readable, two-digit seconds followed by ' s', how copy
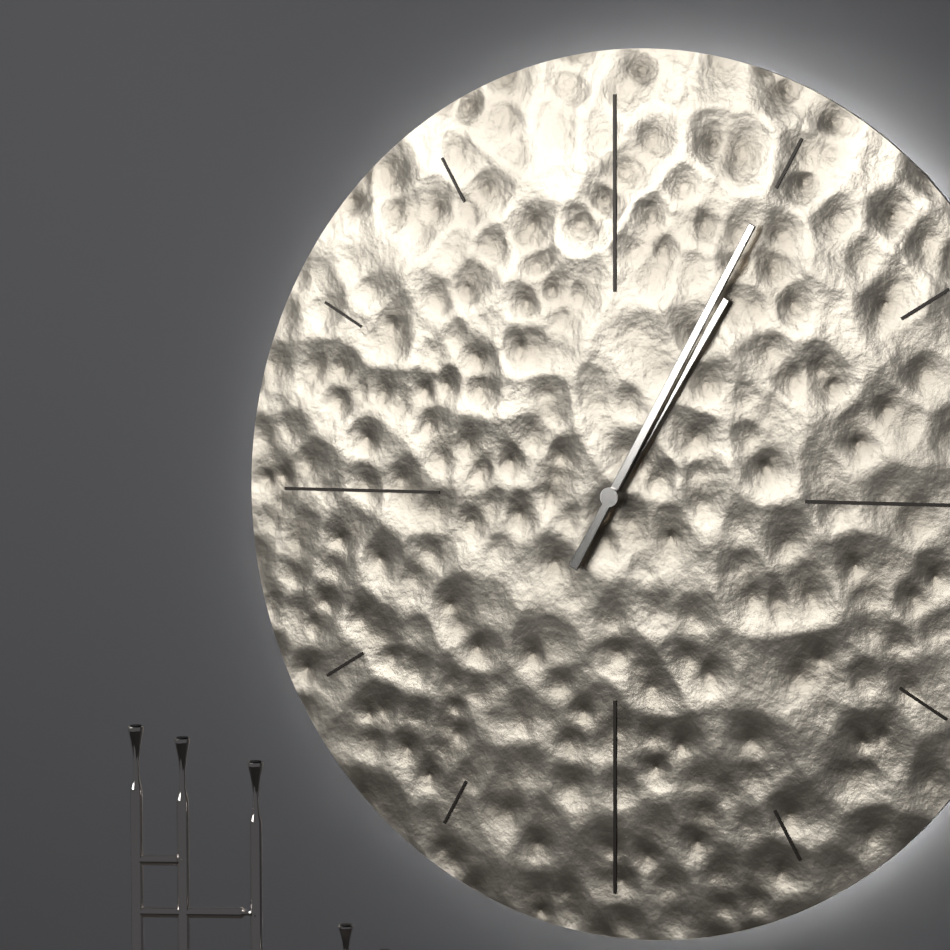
1 h 05 min
